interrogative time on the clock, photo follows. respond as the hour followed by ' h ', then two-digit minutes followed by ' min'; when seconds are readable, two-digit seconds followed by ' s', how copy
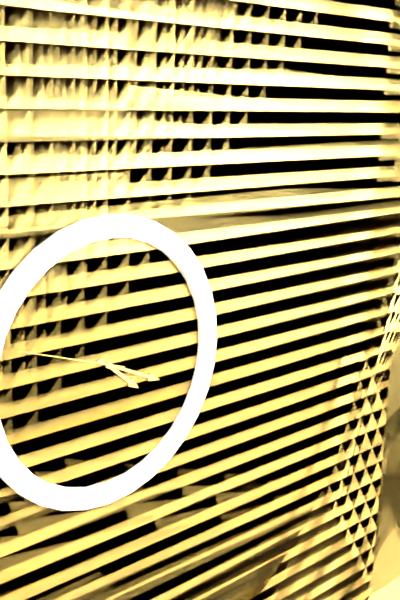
4 h 19 min 48 s
